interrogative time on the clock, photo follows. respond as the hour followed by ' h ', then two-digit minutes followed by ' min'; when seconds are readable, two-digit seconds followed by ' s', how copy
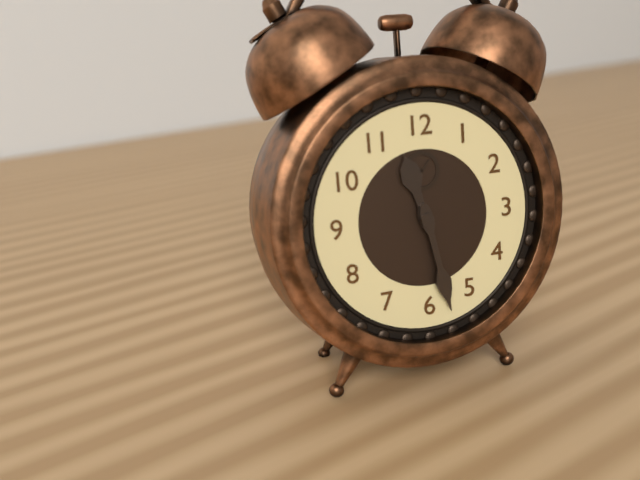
11 h 28 min
